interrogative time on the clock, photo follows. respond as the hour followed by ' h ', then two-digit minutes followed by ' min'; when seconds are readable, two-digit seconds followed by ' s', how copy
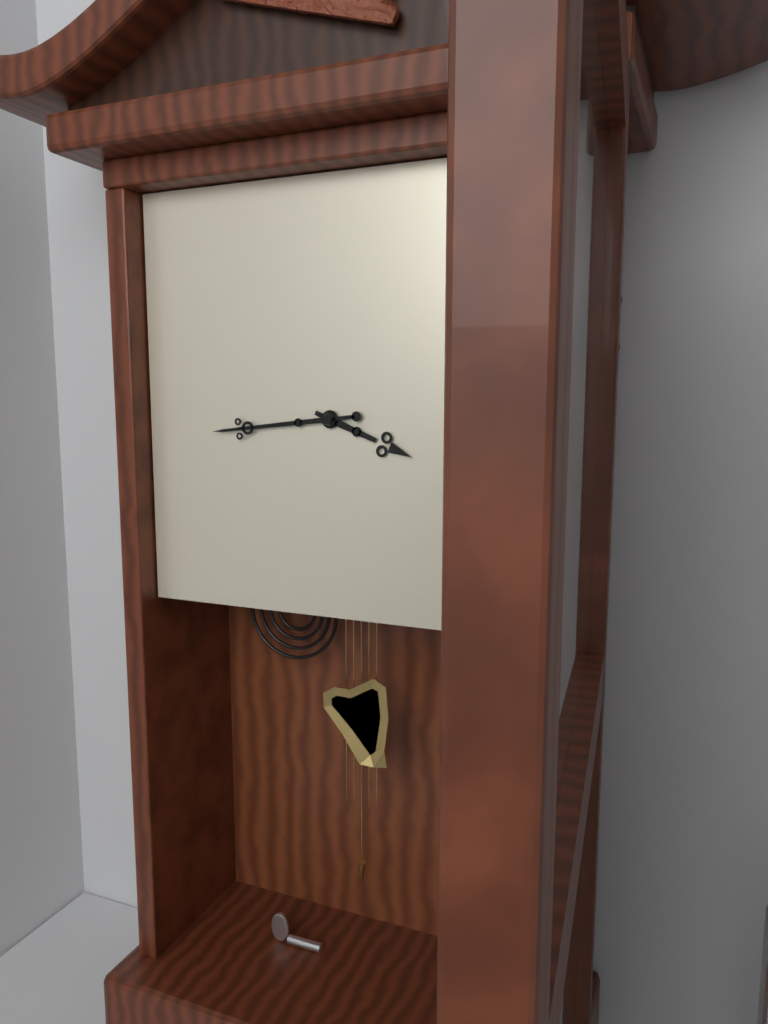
3 h 44 min
